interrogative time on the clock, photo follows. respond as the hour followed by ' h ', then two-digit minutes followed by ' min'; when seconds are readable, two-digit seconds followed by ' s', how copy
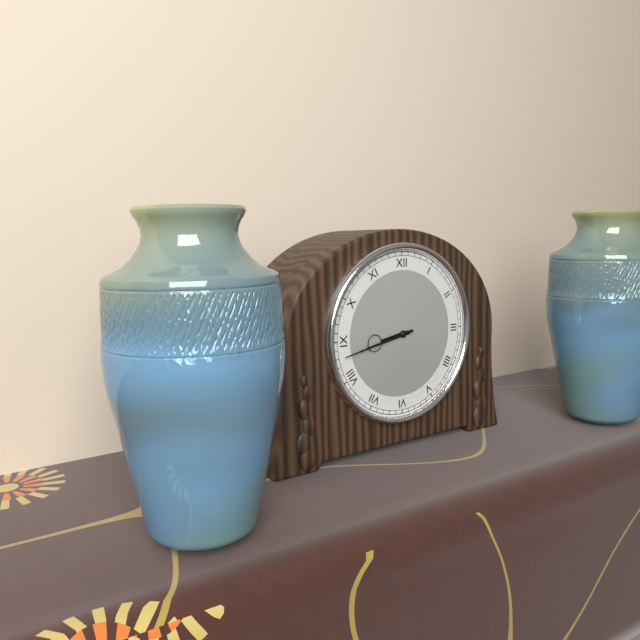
8 h 43 min
